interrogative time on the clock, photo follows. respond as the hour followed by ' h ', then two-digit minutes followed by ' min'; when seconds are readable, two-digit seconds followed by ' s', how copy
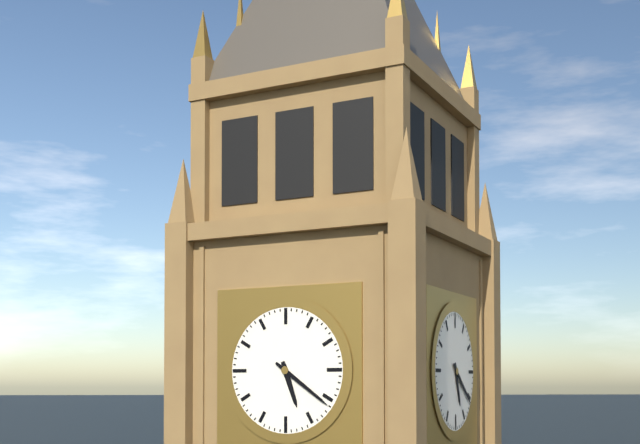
5 h 21 min
